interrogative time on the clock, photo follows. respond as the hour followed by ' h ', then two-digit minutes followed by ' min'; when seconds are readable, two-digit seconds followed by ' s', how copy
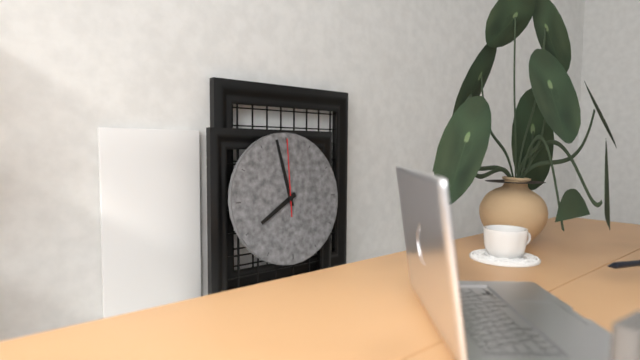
7 h 58 min 00 s
